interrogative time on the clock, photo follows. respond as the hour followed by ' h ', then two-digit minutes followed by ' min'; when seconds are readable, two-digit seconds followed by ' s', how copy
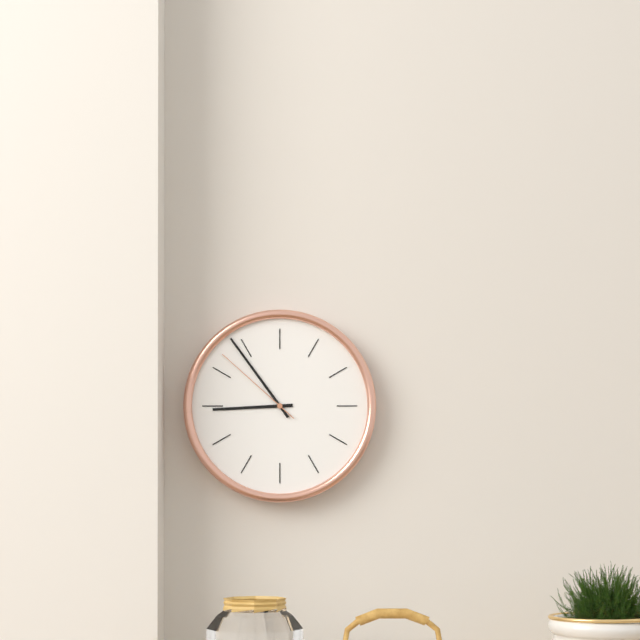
8 h 54 min 52 s
